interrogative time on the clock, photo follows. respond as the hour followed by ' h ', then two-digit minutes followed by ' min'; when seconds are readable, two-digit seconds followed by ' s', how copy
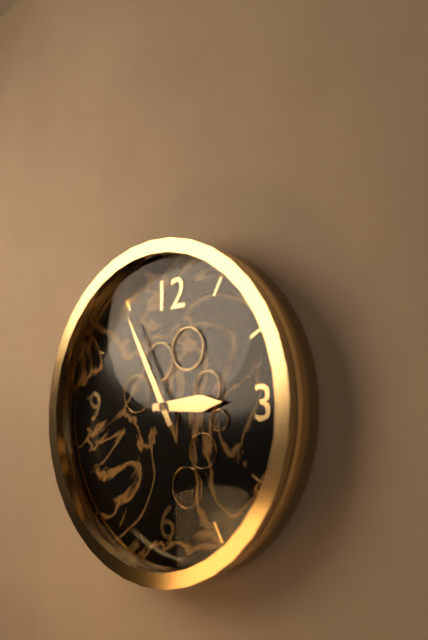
2 h 55 min
